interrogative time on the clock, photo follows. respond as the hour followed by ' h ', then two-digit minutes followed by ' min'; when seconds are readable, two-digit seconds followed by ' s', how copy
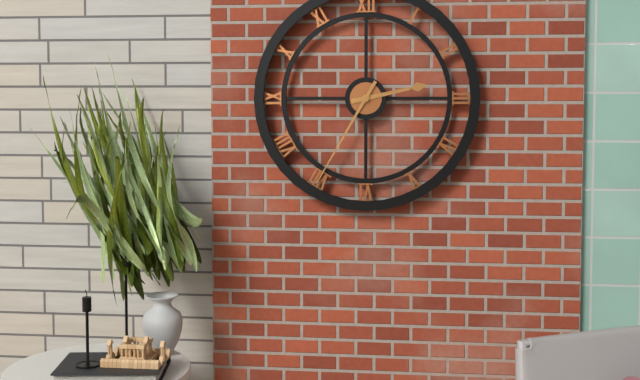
2 h 35 min
